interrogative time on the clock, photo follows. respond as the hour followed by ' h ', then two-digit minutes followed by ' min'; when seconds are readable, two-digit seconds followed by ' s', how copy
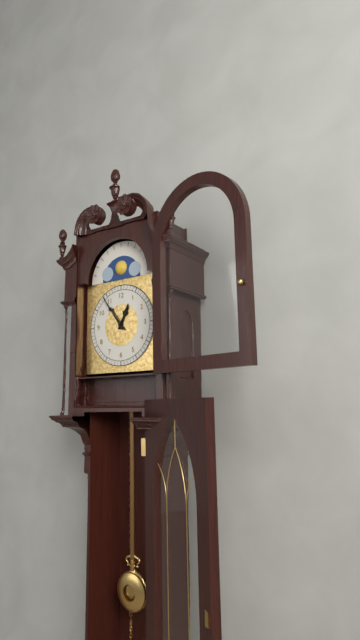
12 h 54 min
